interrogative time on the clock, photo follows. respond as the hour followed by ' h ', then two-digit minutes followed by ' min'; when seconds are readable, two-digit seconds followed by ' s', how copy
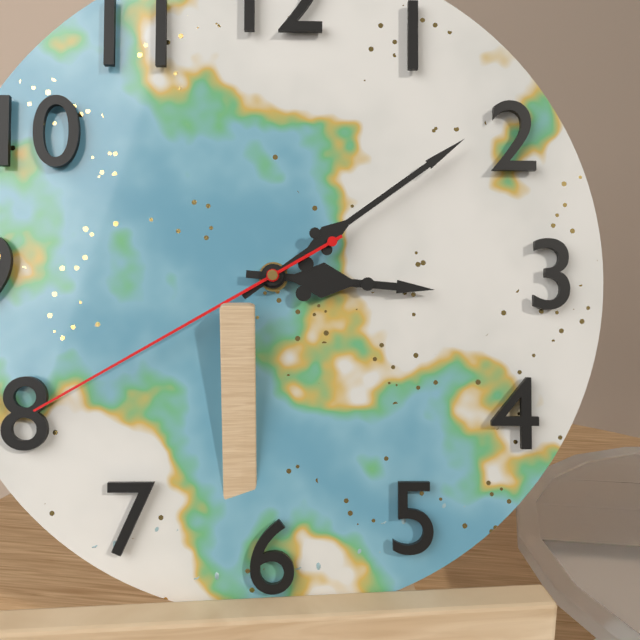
3 h 09 min 40 s
